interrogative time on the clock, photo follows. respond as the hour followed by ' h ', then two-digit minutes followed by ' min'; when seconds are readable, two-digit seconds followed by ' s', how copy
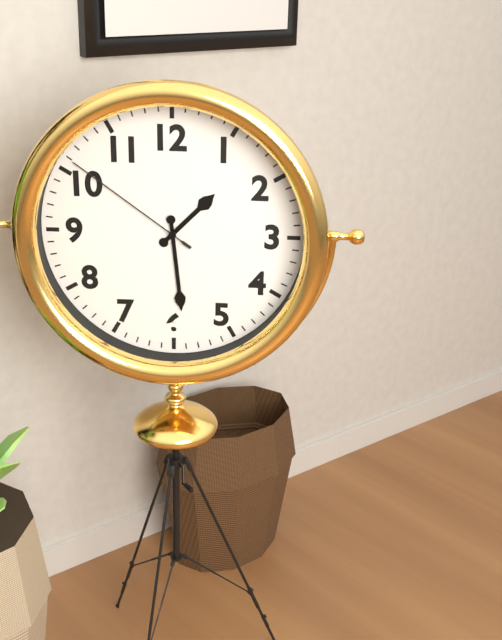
1 h 29 min 51 s
